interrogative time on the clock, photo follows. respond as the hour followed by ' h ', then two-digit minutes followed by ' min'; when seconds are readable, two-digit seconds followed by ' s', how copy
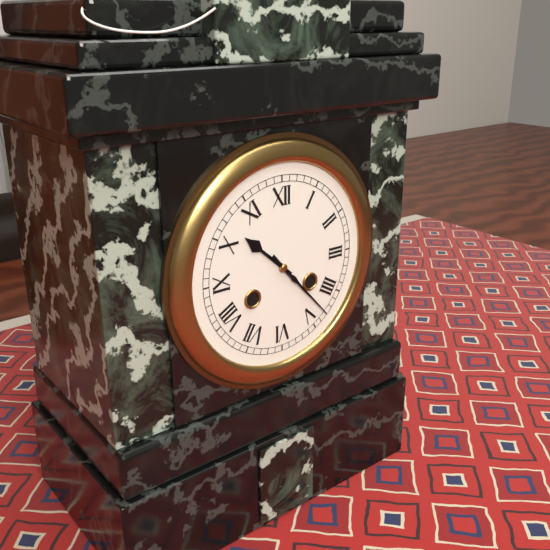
10 h 23 min
